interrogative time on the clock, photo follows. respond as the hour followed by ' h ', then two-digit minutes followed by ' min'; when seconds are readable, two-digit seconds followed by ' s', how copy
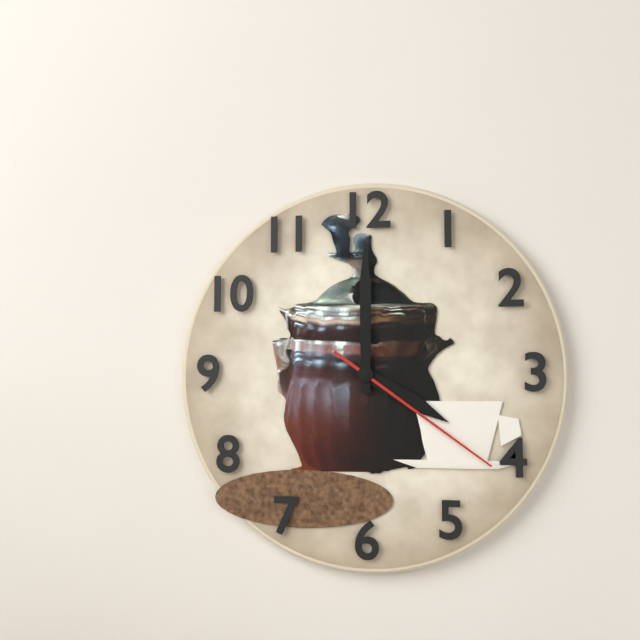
4 h 00 min 21 s
